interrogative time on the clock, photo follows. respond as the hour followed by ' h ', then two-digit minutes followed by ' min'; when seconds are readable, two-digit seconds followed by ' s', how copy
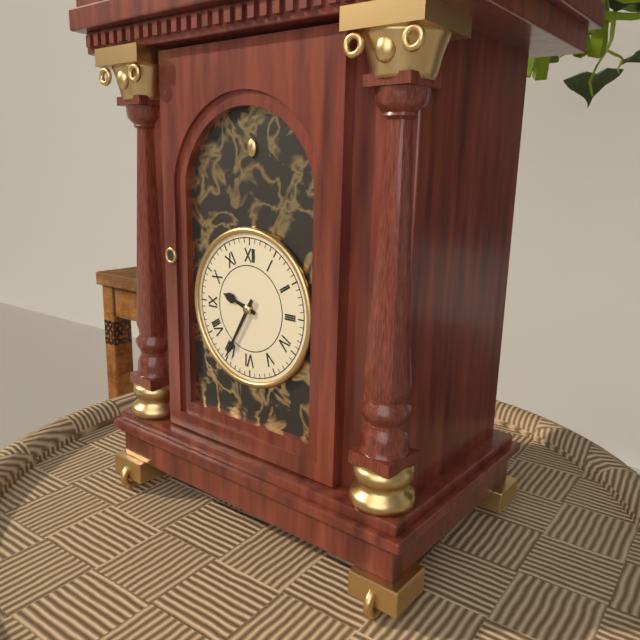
9 h 35 min
